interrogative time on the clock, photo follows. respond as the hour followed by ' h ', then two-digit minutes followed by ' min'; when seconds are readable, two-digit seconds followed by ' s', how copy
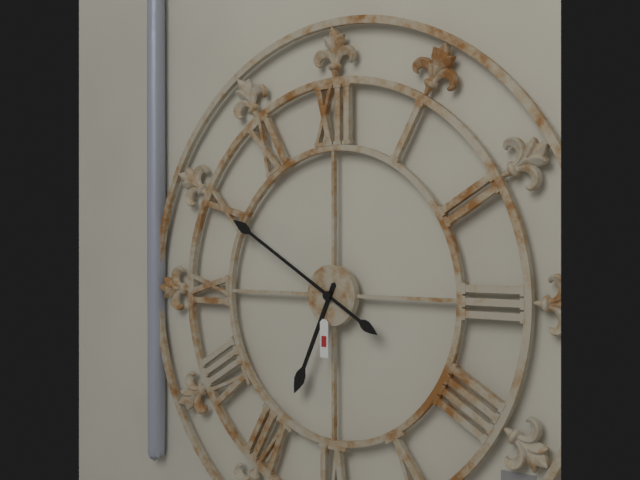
6 h 50 min
